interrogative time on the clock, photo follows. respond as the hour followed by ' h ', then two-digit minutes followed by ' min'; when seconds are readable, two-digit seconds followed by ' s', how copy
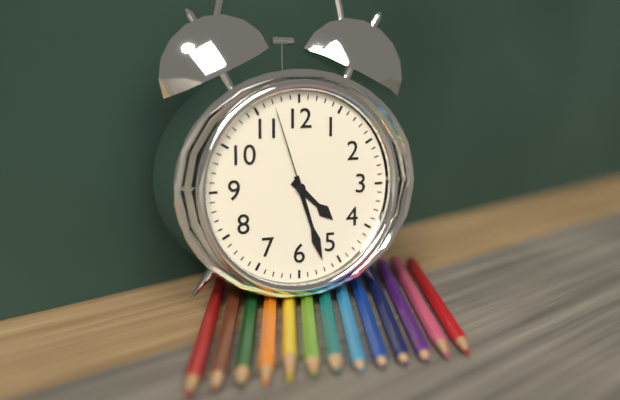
4 h 27 min 57 s
